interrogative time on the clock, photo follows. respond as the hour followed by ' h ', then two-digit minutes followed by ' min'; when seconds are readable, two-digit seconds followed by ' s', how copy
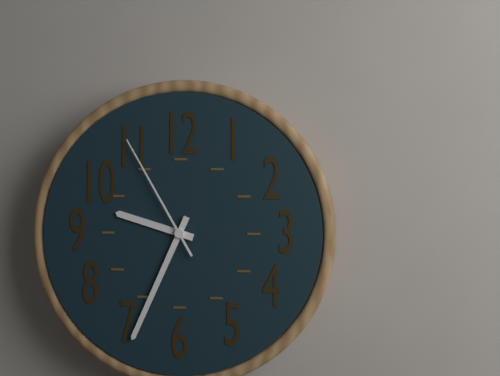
9 h 34 min 55 s
